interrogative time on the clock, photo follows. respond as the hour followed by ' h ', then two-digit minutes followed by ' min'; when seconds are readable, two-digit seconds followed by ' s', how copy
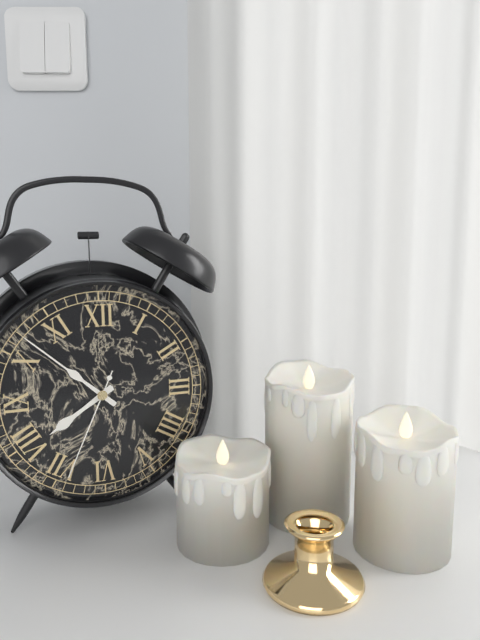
7 h 52 min 34 s
